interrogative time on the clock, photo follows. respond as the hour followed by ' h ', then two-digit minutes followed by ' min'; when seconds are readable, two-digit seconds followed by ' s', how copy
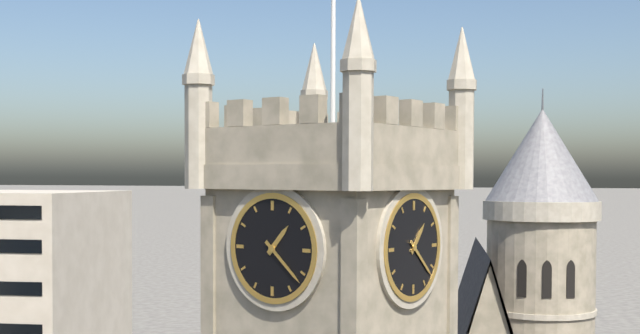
1 h 22 min
